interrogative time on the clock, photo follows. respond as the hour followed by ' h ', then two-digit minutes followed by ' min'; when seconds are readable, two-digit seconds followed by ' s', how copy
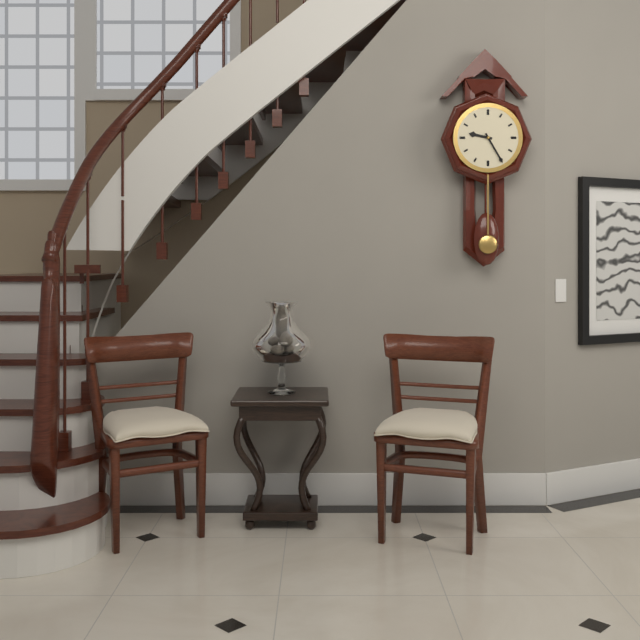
9 h 25 min
